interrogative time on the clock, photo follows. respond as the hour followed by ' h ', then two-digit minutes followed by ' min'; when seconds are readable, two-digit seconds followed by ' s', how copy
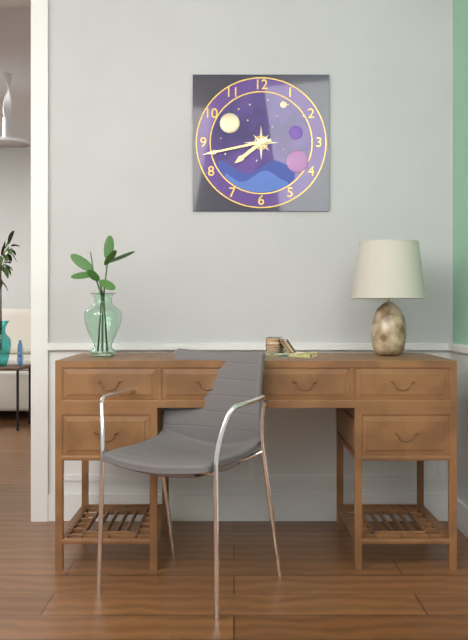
7 h 43 min
